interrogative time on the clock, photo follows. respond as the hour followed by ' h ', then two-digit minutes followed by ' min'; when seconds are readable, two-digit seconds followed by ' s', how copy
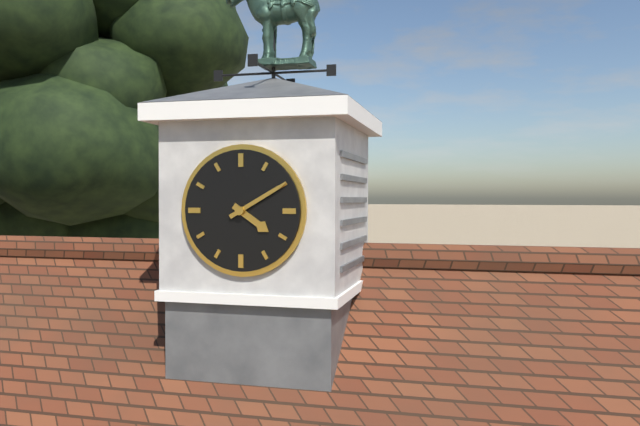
4 h 10 min
